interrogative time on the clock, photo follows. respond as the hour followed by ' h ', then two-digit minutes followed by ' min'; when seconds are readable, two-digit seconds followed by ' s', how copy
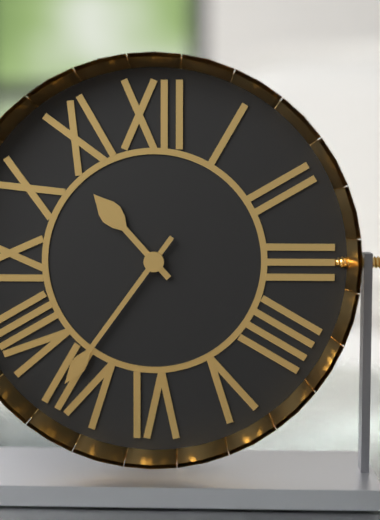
10 h 36 min
